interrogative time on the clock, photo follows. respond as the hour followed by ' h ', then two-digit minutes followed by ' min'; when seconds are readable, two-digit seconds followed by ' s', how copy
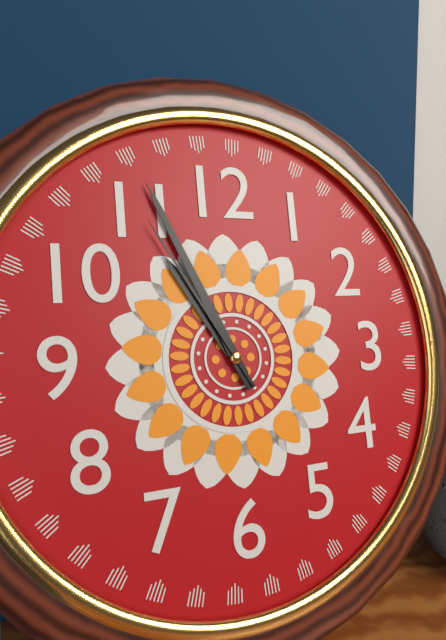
10 h 56 min 55 s
